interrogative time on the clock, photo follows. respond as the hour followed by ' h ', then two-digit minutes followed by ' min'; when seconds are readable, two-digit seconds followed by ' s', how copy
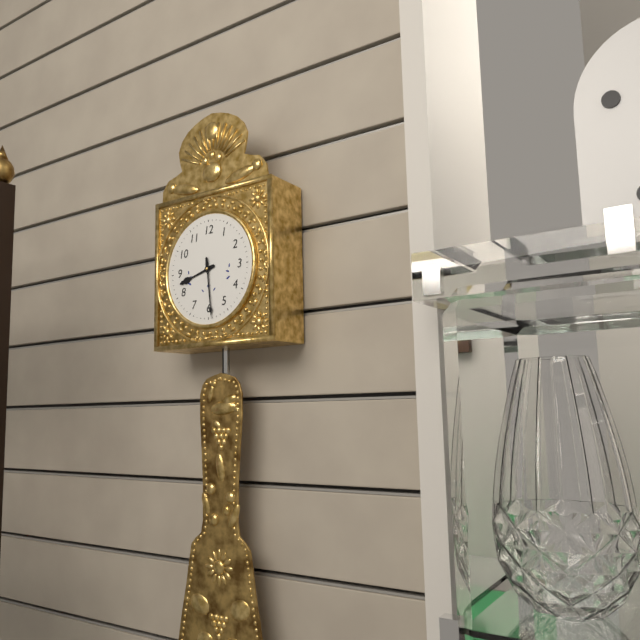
8 h 29 min
